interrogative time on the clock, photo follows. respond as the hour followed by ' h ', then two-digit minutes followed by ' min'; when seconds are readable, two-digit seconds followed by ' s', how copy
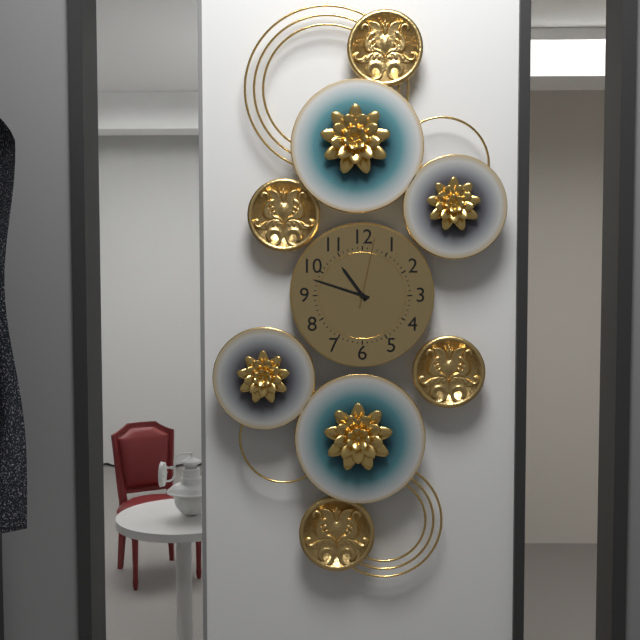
10 h 48 min 02 s
